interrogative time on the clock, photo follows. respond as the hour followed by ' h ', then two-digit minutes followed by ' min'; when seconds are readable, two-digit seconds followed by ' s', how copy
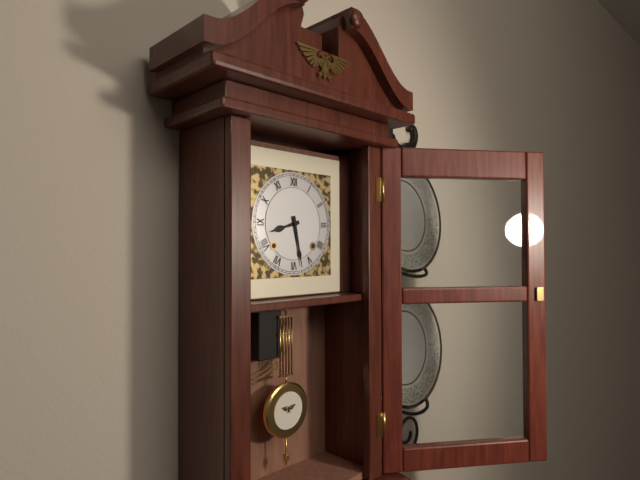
8 h 28 min
